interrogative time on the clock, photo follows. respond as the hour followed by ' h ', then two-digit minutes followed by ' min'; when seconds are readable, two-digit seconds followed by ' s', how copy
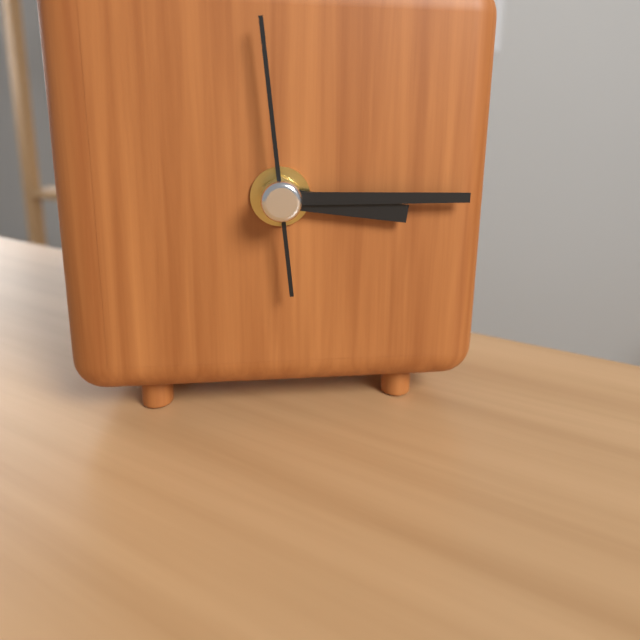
3 h 15 min 59 s
